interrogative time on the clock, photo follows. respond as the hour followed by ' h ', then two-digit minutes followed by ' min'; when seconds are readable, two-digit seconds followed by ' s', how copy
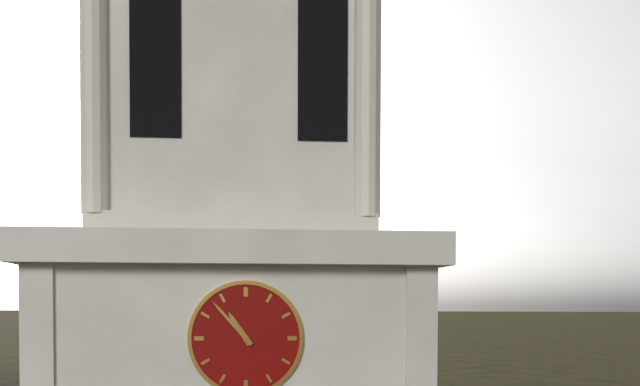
10 h 53 min
